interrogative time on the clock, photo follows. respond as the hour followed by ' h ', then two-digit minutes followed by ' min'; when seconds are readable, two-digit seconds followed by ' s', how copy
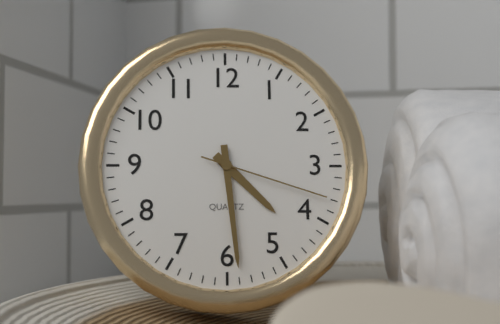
4 h 29 min 18 s
